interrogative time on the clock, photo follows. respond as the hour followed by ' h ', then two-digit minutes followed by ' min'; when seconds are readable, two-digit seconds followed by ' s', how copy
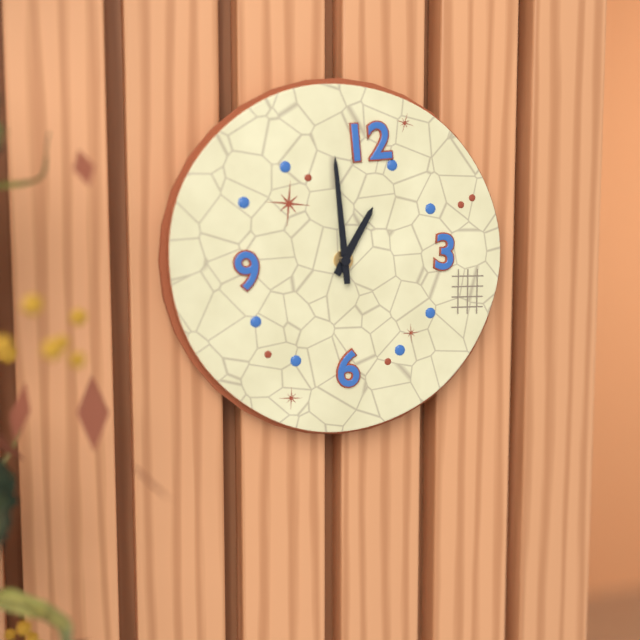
12 h 59 min
